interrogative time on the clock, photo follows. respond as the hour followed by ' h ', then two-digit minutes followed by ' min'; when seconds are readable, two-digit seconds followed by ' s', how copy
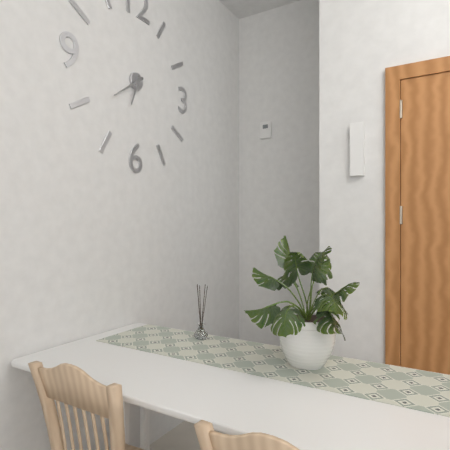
6 h 39 min
